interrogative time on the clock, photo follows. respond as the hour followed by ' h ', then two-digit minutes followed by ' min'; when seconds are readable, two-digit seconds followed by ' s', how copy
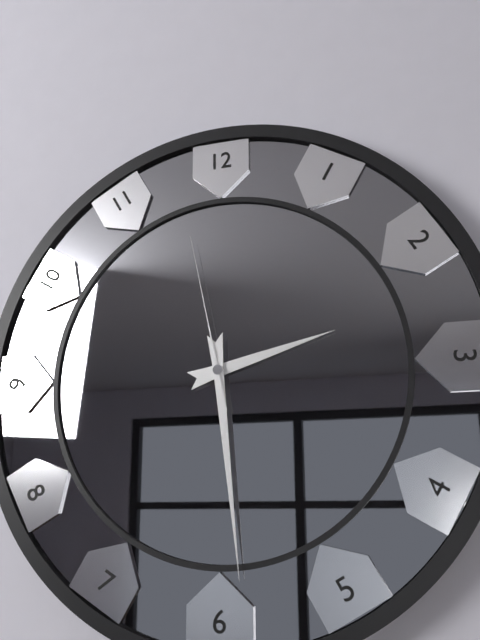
2 h 29 min 58 s
